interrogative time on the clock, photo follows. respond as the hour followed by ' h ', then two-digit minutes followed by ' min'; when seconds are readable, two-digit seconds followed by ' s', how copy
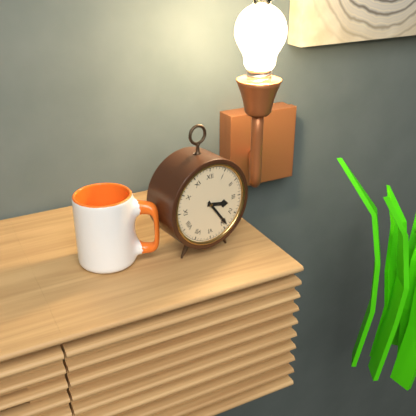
3 h 24 min
